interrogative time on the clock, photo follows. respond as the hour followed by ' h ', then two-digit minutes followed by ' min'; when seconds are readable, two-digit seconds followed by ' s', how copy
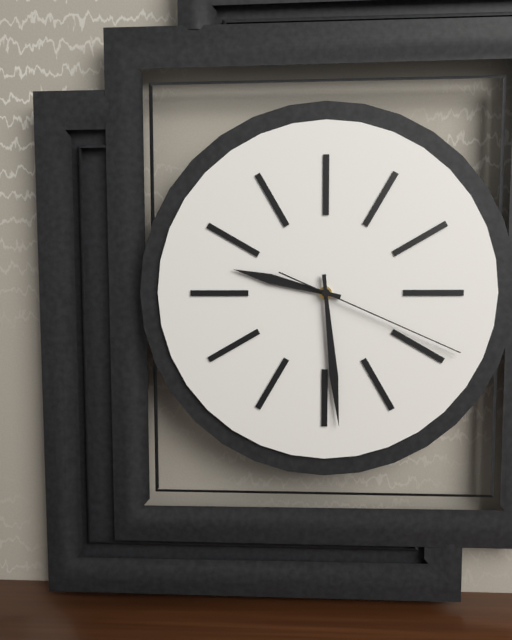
9 h 29 min 19 s
